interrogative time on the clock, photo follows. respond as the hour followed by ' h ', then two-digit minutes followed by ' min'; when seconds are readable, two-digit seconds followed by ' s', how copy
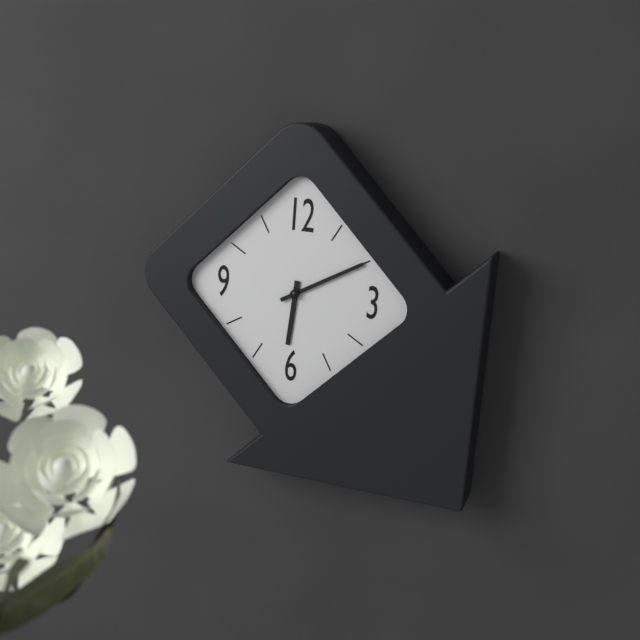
6 h 10 min
